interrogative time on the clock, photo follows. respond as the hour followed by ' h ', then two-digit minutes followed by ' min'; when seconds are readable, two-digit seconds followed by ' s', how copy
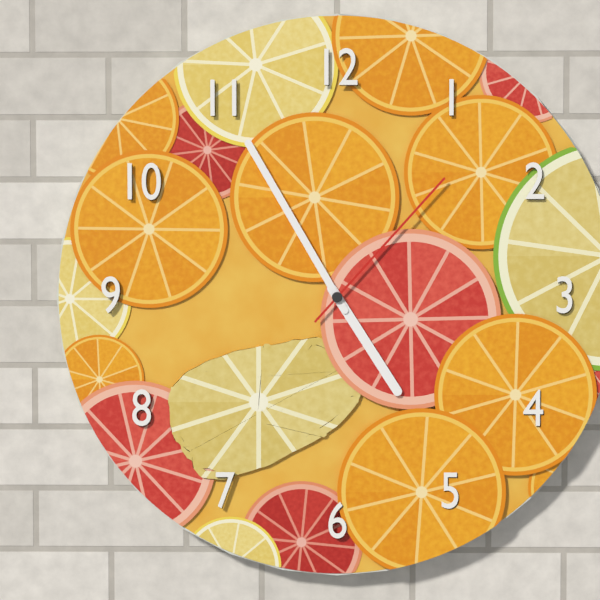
4 h 55 min 07 s
